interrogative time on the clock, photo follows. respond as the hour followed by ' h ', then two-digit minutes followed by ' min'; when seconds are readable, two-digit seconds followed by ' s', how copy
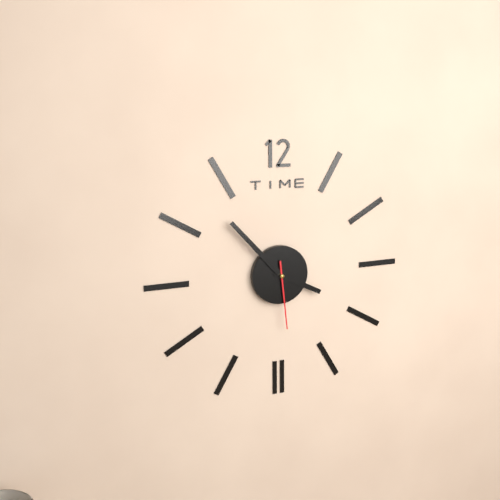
3 h 53 min 29 s
